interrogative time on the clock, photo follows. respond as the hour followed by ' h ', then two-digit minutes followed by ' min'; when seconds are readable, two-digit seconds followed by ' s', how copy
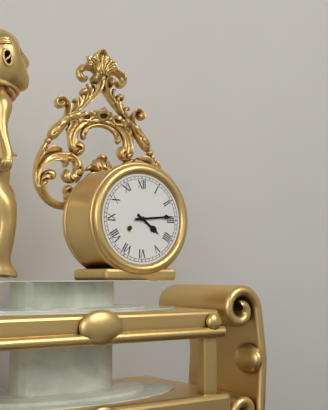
4 h 14 min
